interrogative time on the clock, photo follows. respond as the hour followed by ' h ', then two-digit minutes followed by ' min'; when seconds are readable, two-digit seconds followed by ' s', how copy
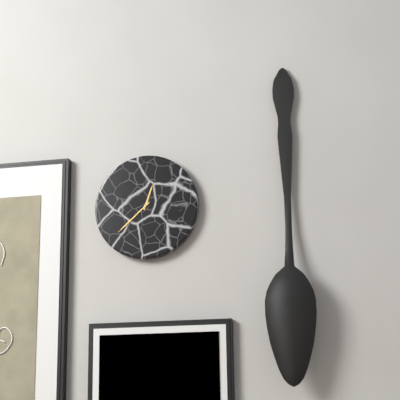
12 h 38 min
